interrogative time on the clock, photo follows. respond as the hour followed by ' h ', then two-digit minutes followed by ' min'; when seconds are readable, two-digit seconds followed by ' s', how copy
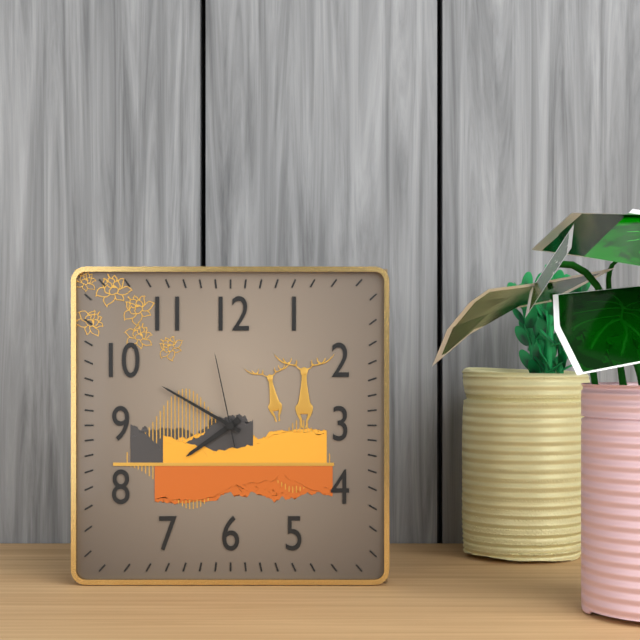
7 h 50 min 58 s
